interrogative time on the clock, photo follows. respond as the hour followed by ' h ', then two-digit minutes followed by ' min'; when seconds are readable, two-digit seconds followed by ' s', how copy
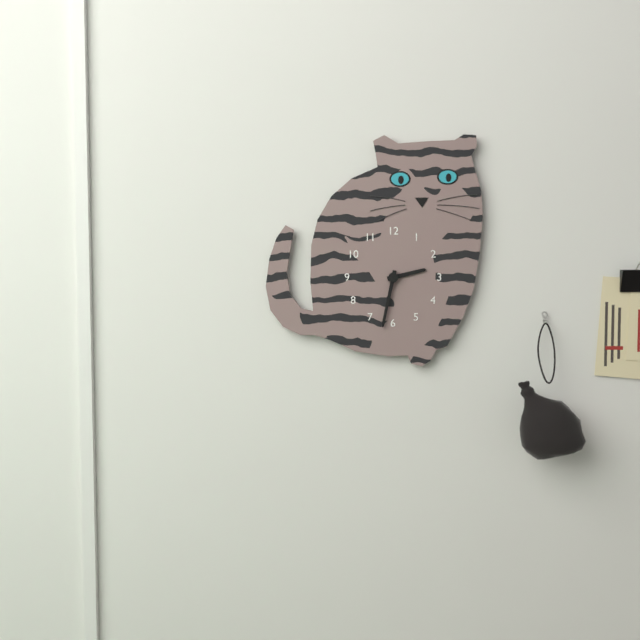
2 h 32 min
